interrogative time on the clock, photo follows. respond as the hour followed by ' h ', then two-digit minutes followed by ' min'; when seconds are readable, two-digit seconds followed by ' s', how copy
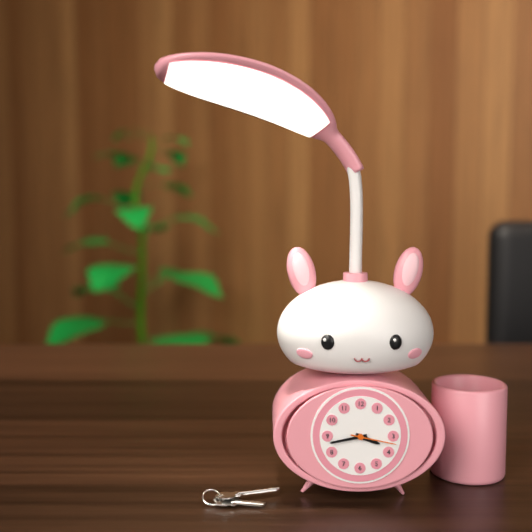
3 h 43 min
